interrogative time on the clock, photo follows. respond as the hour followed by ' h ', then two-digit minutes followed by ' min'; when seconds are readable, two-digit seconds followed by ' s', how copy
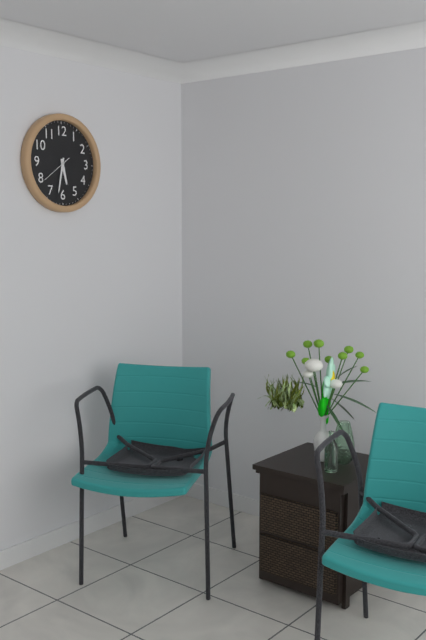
5 h 32 min
